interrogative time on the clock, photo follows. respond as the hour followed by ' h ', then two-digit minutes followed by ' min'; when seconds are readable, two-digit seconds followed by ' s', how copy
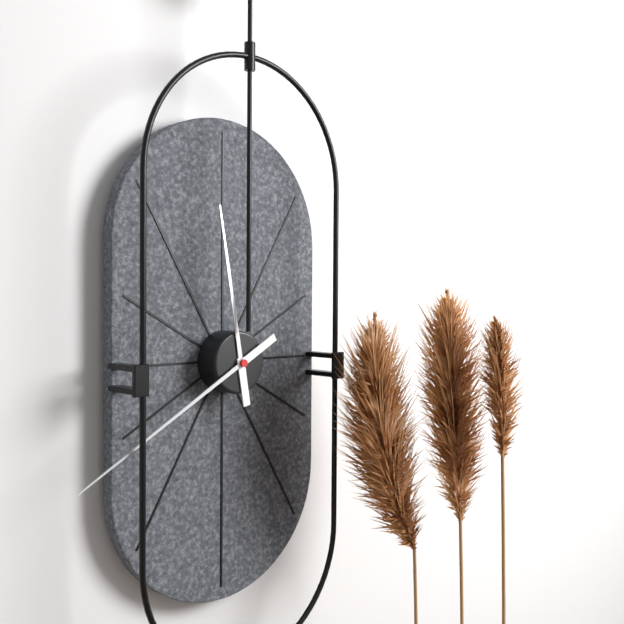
11 h 40 min
